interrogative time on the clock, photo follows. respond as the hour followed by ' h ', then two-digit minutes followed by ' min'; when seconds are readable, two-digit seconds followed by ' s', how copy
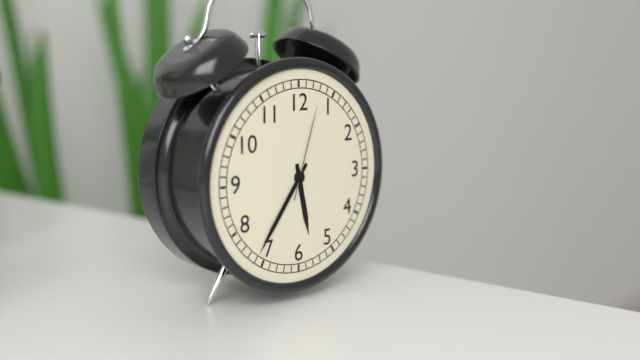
5 h 36 min 03 s
